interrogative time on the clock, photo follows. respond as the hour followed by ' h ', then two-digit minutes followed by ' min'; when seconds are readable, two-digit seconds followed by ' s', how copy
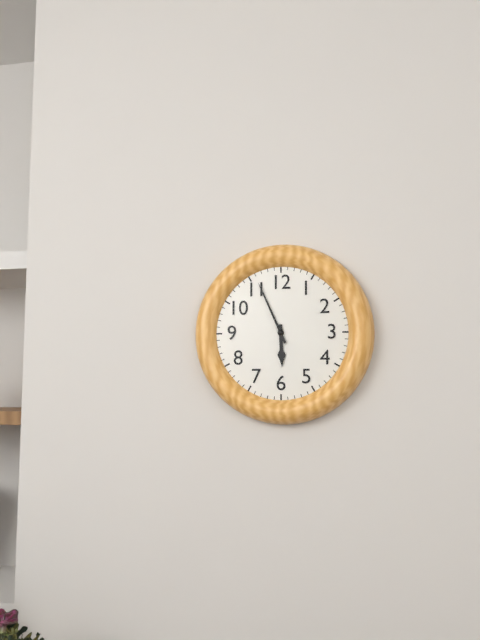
5 h 56 min
